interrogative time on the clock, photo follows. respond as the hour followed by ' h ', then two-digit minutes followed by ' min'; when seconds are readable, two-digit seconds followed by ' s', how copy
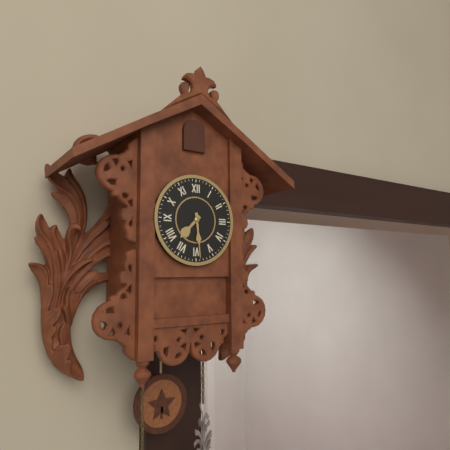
7 h 29 min
